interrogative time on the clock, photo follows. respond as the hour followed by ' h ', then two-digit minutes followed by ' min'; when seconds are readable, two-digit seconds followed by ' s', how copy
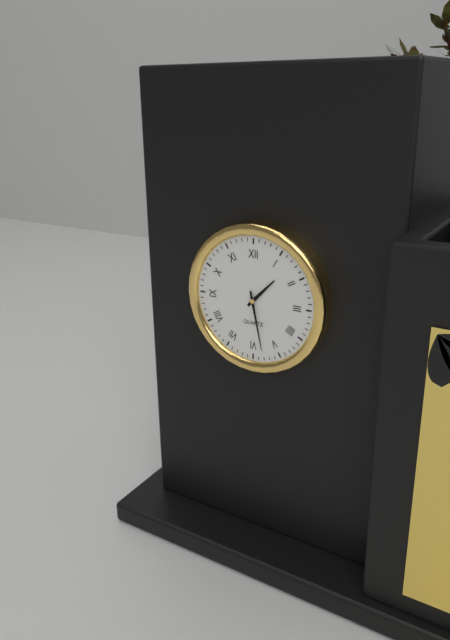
1 h 28 min
